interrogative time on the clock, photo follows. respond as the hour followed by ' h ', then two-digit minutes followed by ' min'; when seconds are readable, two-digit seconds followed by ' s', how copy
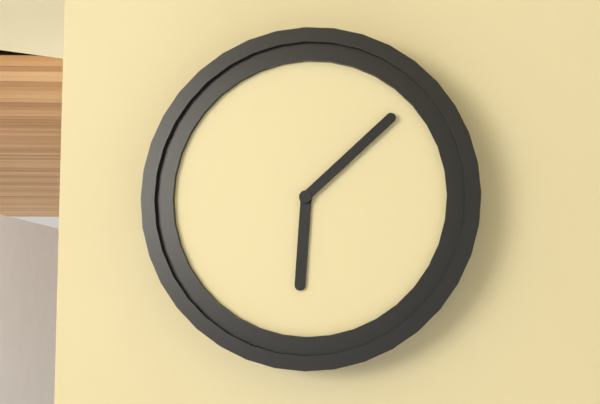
6 h 08 min
